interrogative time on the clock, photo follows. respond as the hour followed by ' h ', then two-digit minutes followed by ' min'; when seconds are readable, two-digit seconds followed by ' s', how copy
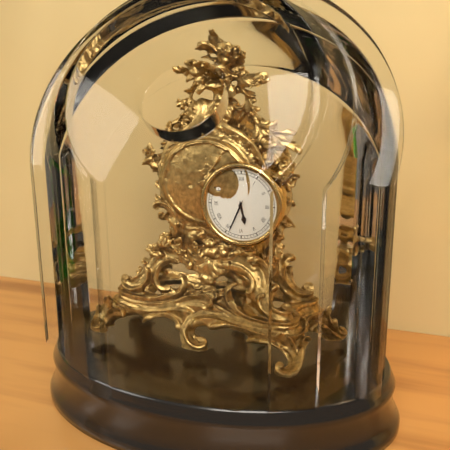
5 h 34 min
